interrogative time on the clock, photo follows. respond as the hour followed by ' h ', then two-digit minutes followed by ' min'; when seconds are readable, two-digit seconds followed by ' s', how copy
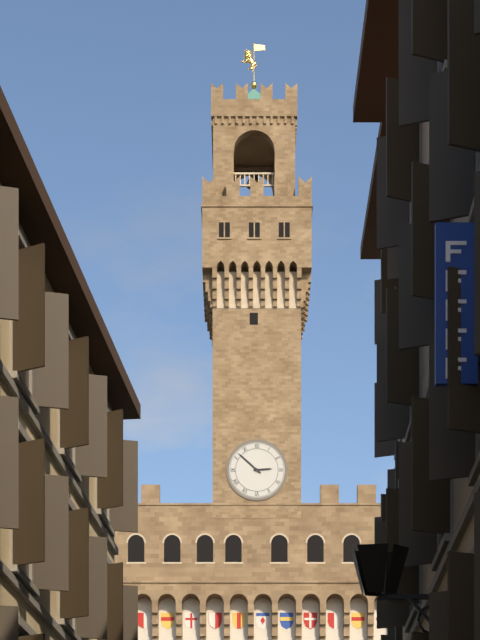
2 h 52 min
